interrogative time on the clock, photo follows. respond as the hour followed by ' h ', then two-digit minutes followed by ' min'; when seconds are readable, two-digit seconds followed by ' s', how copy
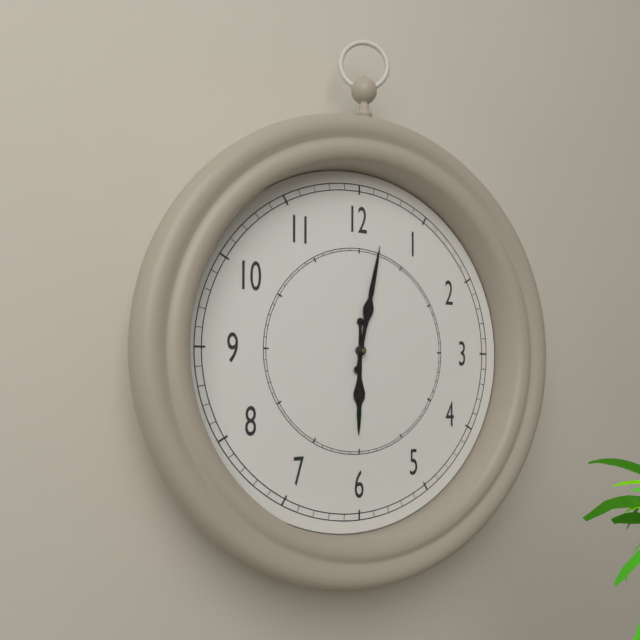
6 h 02 min
